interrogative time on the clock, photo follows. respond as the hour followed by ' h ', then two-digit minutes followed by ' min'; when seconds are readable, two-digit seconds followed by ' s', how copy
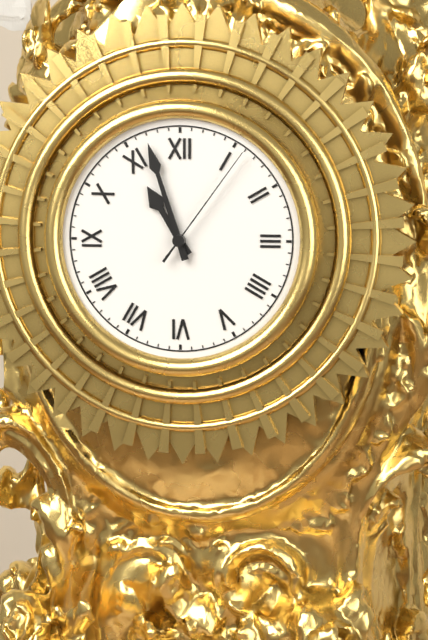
10 h 57 min 06 s
